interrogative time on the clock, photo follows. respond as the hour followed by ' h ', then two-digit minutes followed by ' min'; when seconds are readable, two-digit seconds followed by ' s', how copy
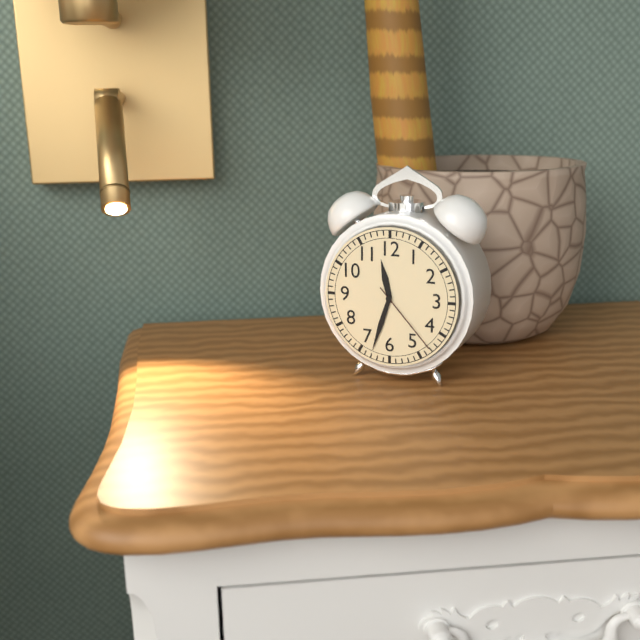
11 h 33 min 23 s
